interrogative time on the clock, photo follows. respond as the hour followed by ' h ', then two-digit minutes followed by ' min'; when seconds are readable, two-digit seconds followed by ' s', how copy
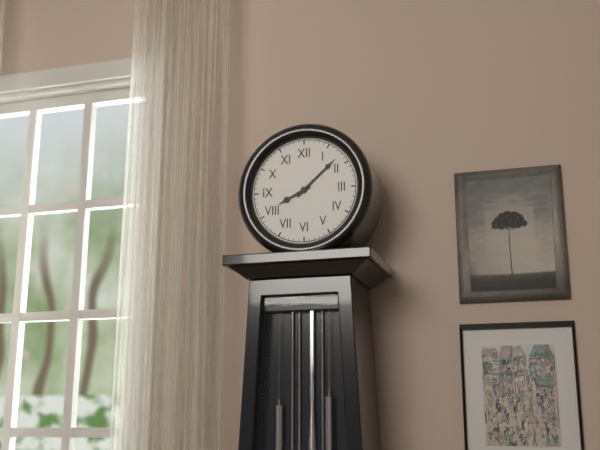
8 h 08 min
